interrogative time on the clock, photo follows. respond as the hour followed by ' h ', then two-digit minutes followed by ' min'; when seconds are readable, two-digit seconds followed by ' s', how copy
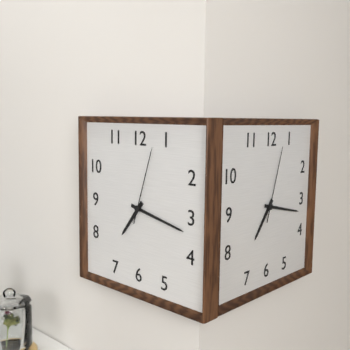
7 h 17 min 03 s
